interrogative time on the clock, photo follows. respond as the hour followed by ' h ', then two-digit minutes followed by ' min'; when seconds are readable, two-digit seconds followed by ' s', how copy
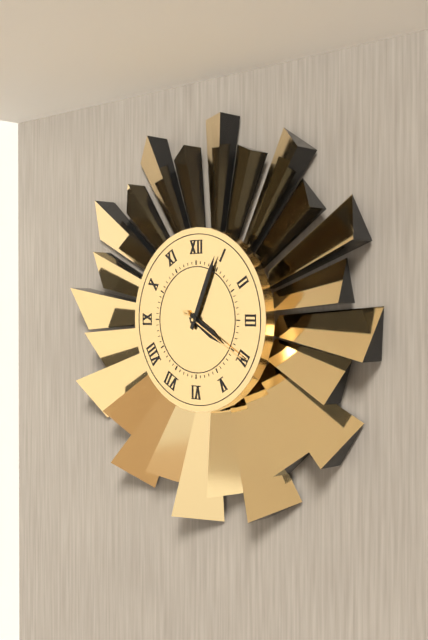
4 h 04 min 20 s
